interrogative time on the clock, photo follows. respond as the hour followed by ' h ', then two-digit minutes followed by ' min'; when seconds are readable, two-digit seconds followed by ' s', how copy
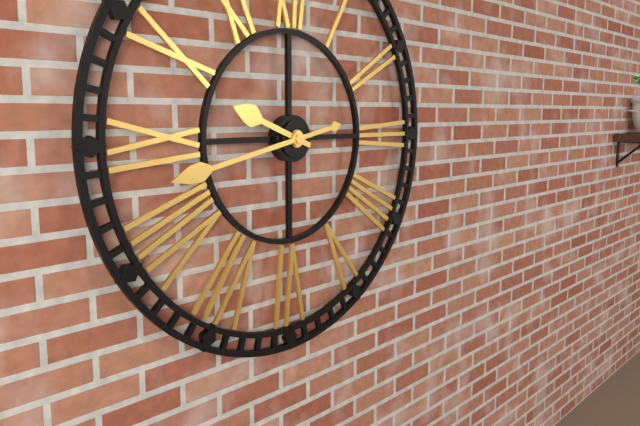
9 h 43 min
